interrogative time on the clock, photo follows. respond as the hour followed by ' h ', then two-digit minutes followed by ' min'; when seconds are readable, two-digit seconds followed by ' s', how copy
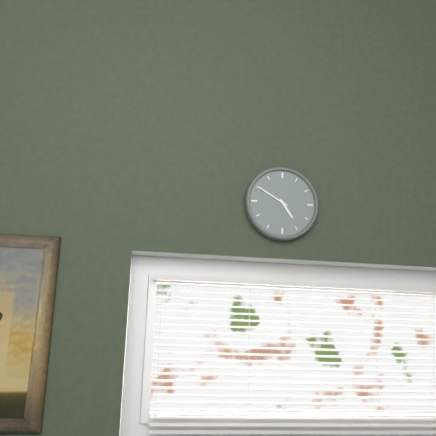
4 h 50 min
